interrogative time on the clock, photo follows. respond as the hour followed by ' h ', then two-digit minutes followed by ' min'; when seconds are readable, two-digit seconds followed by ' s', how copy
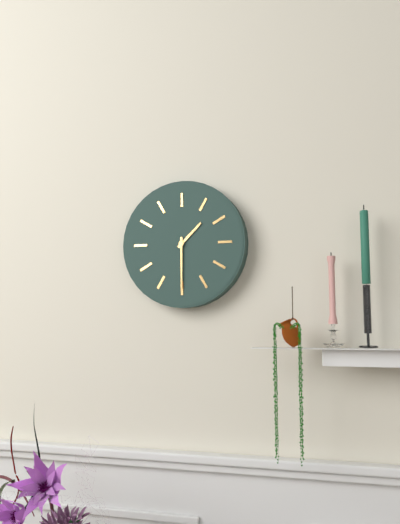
1 h 30 min
